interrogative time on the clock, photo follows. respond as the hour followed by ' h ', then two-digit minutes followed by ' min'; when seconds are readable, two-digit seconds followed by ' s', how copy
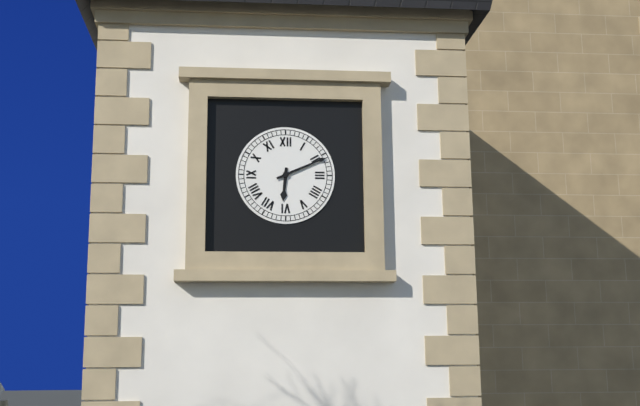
6 h 11 min
